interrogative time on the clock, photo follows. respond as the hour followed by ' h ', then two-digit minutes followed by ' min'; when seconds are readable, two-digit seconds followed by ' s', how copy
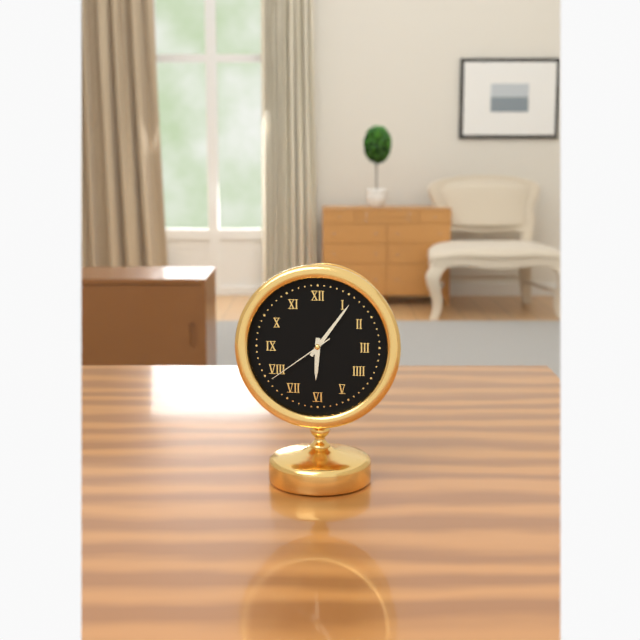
6 h 06 min 39 s
